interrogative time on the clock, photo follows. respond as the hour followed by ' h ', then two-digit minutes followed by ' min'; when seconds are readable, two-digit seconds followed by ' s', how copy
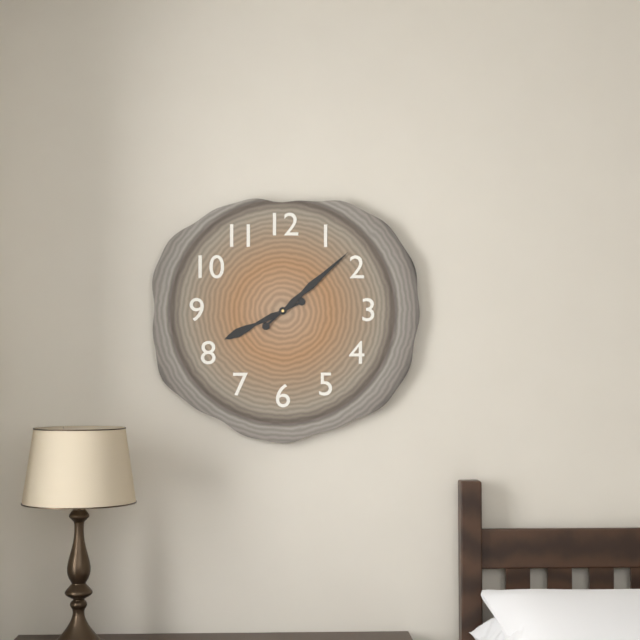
8 h 08 min
